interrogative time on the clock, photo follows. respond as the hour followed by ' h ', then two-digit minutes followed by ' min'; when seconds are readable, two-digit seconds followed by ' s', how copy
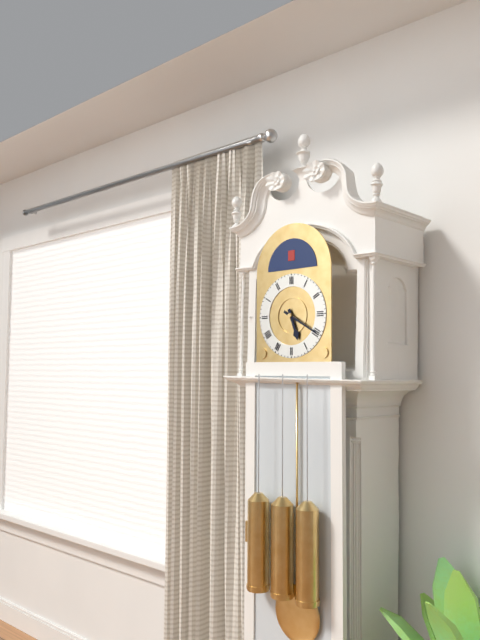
5 h 20 min
